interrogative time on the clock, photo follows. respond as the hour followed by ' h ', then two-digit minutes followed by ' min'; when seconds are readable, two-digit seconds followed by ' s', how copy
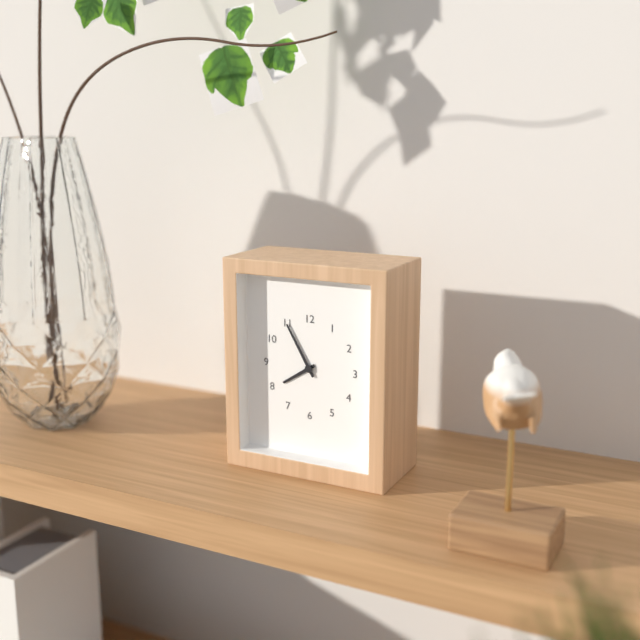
7 h 55 min
